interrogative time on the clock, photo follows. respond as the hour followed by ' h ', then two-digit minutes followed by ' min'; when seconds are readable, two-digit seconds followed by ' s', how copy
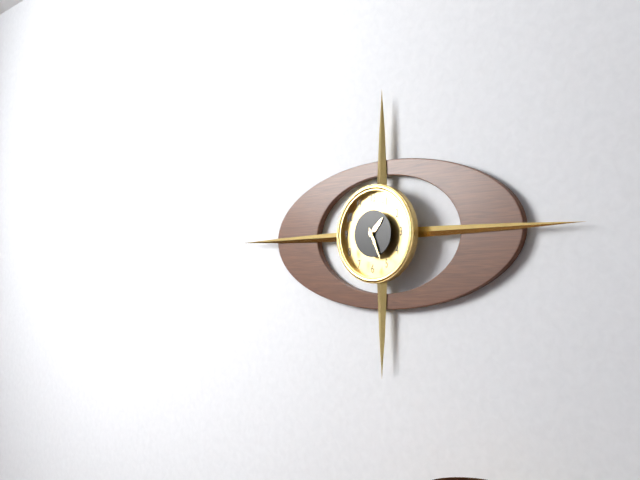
1 h 26 min
